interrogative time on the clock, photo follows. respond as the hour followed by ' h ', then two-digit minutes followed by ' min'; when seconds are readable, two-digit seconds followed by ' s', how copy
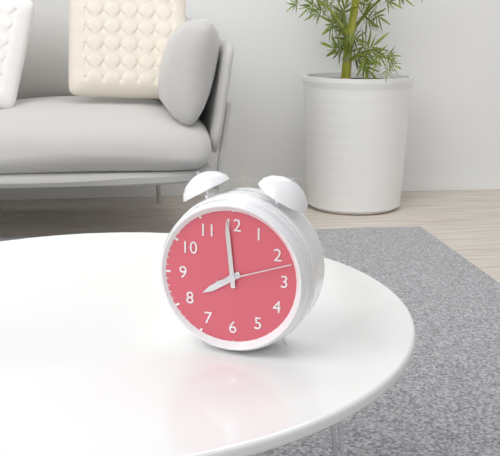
7 h 59 min 12 s
